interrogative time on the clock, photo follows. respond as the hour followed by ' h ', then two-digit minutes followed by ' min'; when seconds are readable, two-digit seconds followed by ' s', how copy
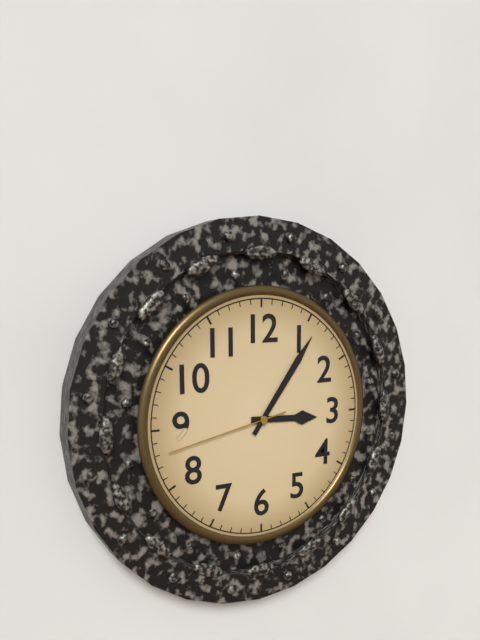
3 h 06 min 43 s
